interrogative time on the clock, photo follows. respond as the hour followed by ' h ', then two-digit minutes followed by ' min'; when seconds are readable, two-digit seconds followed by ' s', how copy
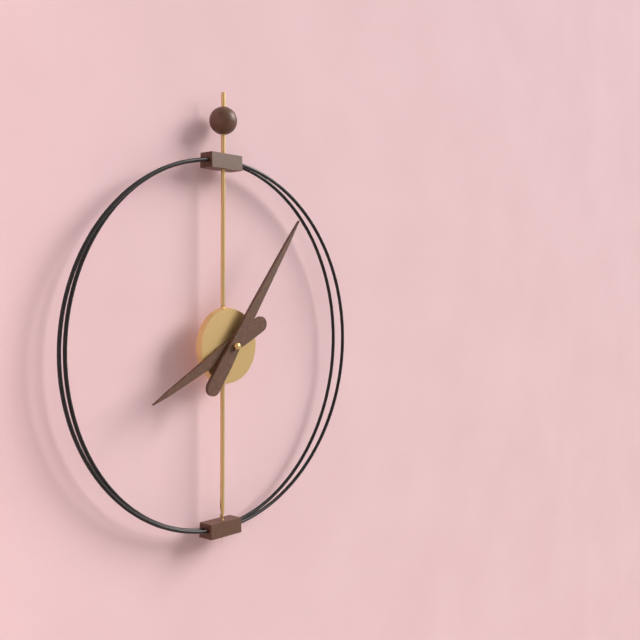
8 h 06 min
